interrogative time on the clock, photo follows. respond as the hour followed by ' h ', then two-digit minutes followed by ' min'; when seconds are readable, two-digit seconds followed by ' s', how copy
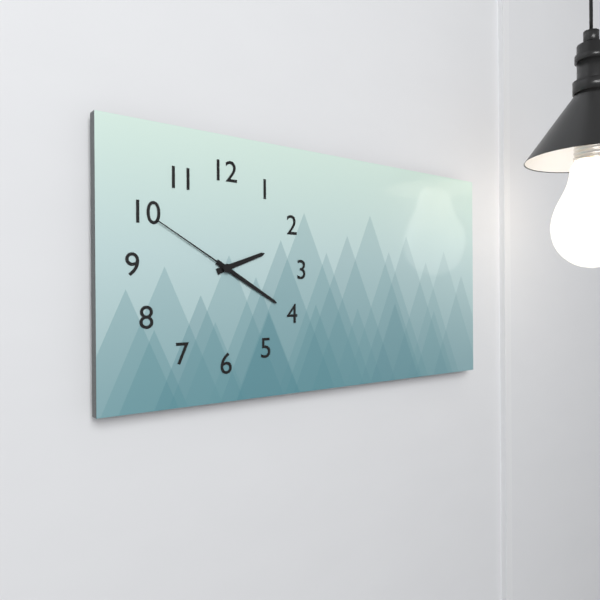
2 h 20 min 50 s
